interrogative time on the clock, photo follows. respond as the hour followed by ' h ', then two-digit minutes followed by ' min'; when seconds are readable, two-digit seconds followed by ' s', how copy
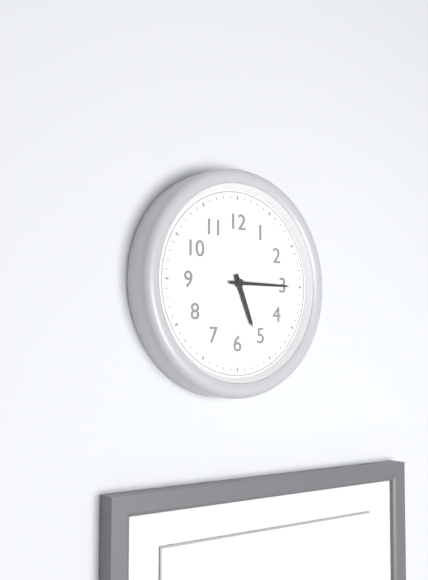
5 h 15 min
